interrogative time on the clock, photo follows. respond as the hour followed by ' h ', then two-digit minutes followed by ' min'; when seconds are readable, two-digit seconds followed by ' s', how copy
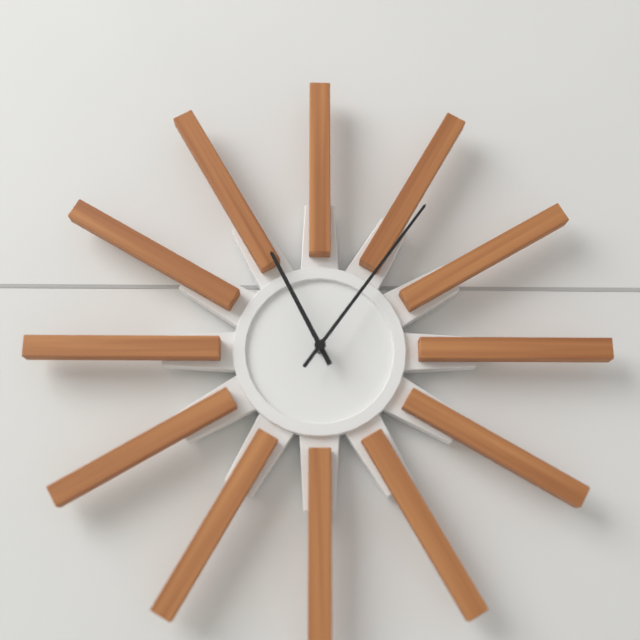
11 h 06 min
